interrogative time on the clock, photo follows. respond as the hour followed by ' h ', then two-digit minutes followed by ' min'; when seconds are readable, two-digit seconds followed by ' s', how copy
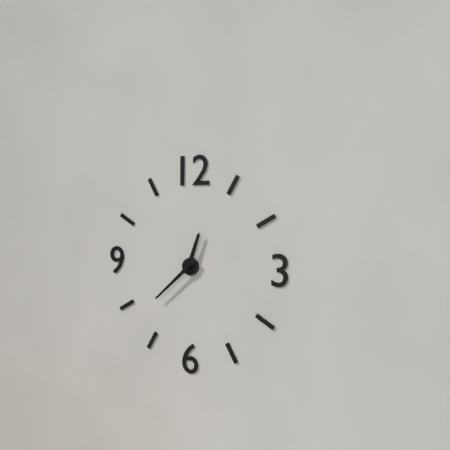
12 h 38 min
